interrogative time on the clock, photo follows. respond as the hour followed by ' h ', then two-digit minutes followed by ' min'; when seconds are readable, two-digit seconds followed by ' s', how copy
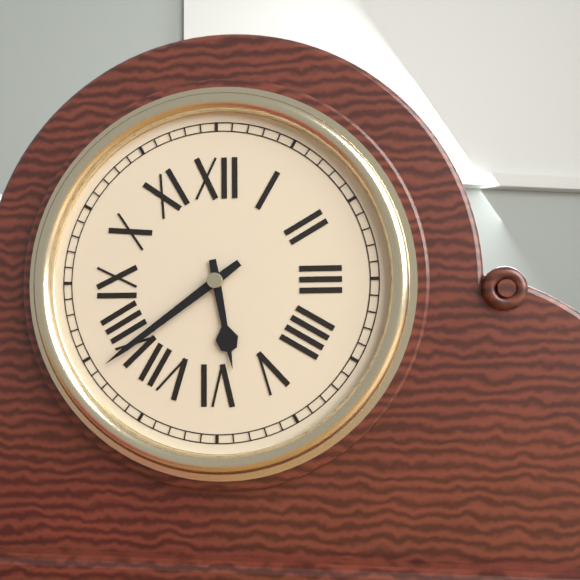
5 h 39 min
